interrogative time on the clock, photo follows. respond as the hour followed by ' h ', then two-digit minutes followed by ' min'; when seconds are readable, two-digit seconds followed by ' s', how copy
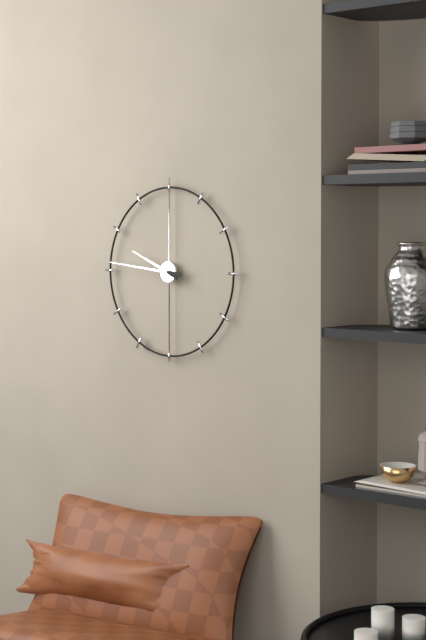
9 h 46 min
